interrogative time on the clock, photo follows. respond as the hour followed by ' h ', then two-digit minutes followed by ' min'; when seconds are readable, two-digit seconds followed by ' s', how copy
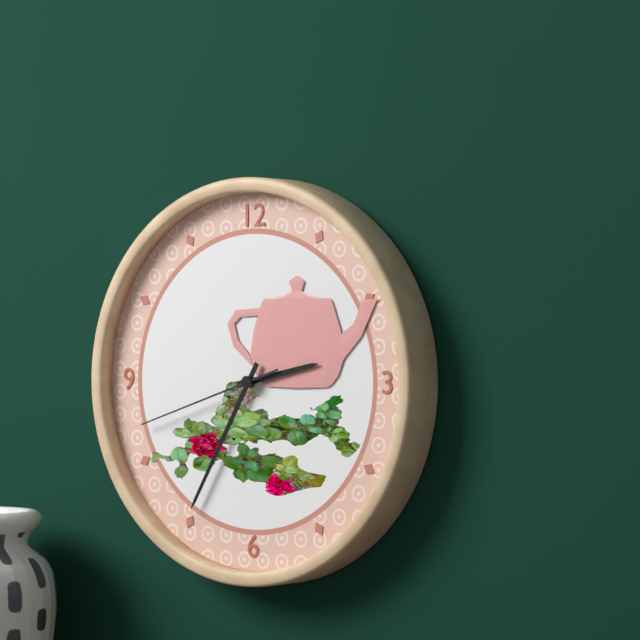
2 h 35 min 42 s
